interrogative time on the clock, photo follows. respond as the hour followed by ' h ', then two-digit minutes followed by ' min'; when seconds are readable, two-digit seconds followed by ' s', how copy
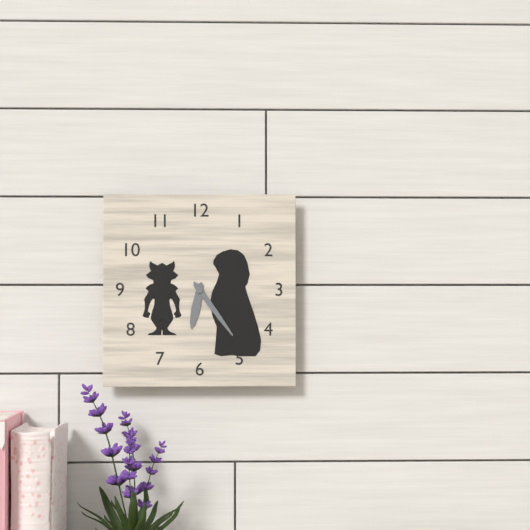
6 h 24 min
